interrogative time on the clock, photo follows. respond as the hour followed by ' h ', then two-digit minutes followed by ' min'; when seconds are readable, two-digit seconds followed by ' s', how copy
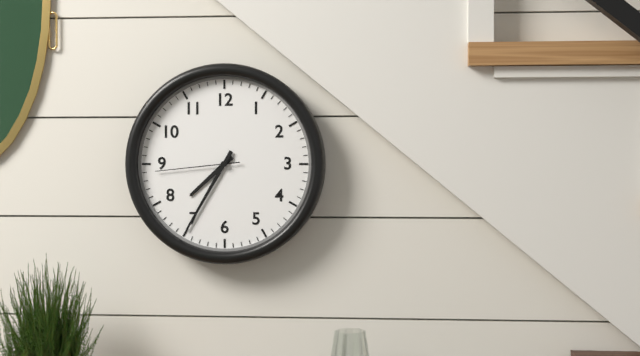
7 h 35 min 44 s
